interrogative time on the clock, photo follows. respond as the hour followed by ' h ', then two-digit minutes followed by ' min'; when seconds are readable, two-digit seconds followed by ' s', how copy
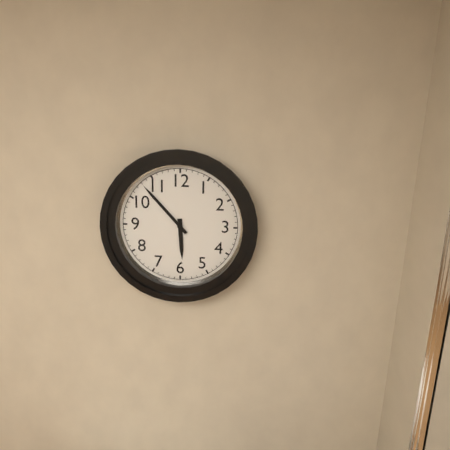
5 h 53 min
